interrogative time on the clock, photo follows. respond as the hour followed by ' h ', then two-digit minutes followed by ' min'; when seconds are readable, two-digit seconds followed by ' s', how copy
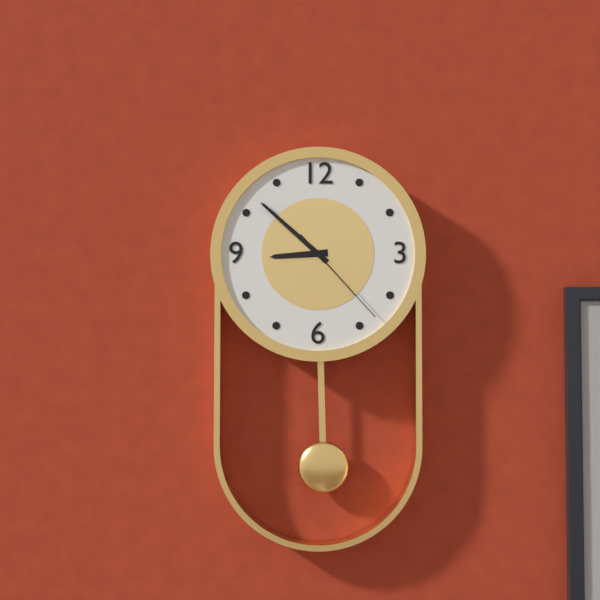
8 h 52 min 23 s
